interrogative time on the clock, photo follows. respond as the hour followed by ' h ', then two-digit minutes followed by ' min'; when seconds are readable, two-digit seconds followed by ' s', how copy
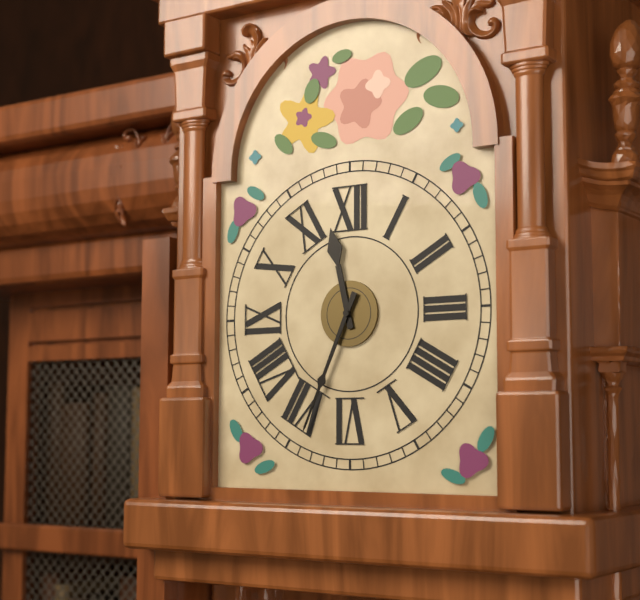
11 h 34 min
